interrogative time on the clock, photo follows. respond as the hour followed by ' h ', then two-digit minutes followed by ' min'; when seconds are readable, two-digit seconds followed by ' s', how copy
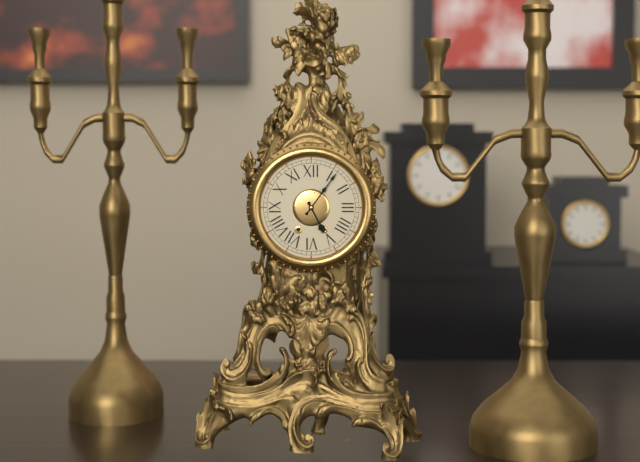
5 h 06 min
